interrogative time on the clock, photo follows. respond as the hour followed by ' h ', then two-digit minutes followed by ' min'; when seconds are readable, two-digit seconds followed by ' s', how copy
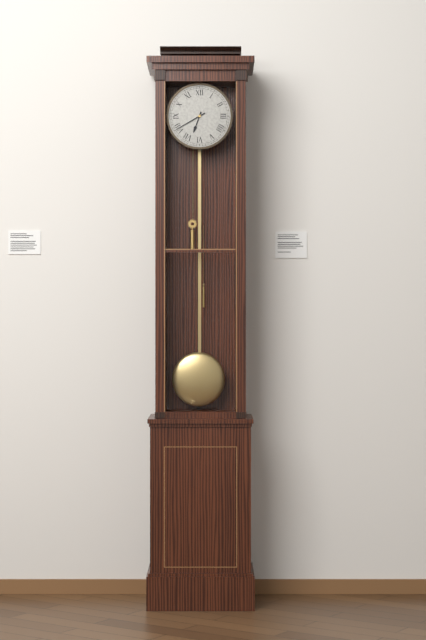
6 h 40 min
